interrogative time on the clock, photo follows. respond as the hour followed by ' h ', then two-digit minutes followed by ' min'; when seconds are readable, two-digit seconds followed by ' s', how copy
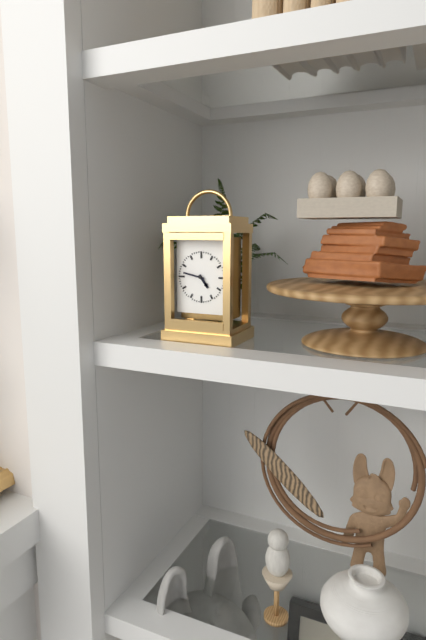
4 h 47 min
